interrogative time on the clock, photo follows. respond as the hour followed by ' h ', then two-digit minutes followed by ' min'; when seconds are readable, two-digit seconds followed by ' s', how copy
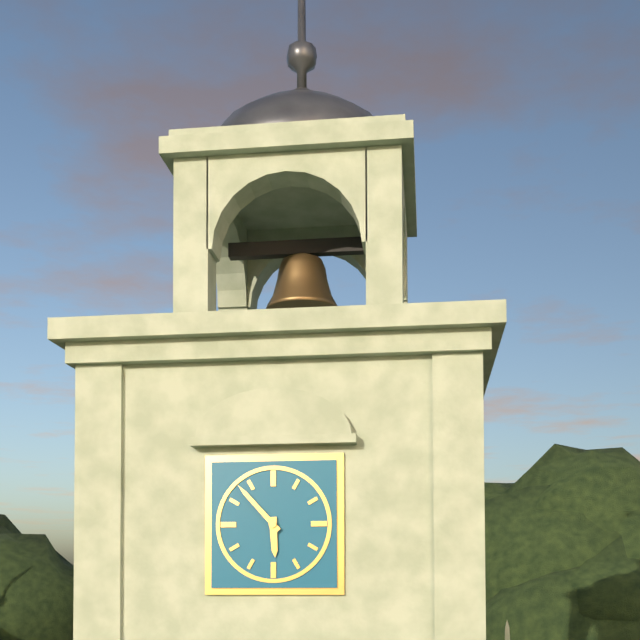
5 h 53 min
